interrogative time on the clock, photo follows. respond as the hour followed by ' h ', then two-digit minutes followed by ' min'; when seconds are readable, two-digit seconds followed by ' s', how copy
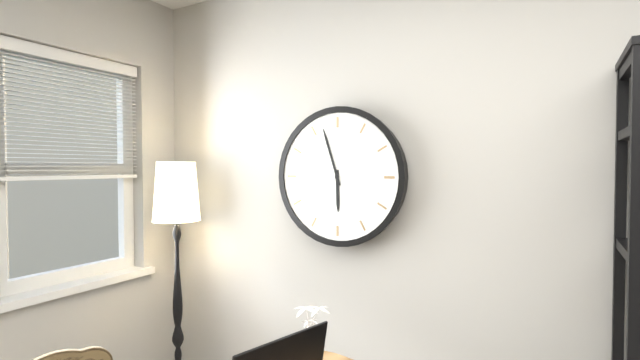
5 h 57 min
